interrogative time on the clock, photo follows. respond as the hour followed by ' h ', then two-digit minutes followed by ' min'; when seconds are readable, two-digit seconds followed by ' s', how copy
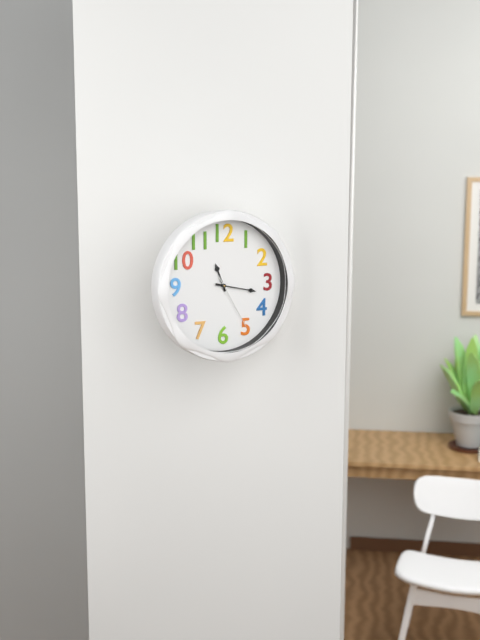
11 h 17 min 25 s
